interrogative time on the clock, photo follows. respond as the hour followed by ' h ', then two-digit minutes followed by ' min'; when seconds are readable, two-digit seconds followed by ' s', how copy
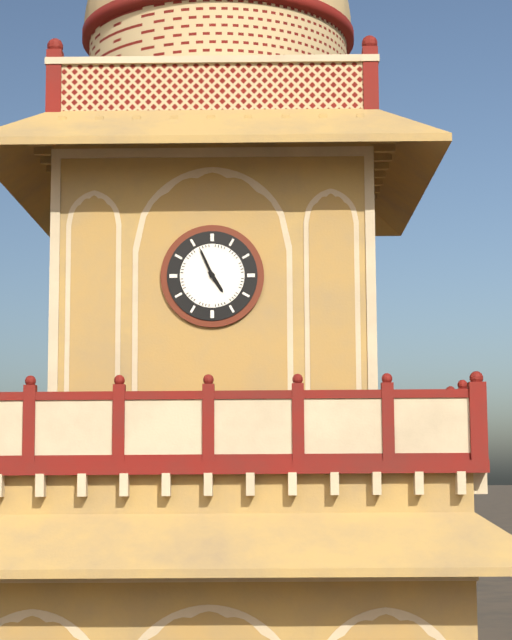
4 h 56 min
